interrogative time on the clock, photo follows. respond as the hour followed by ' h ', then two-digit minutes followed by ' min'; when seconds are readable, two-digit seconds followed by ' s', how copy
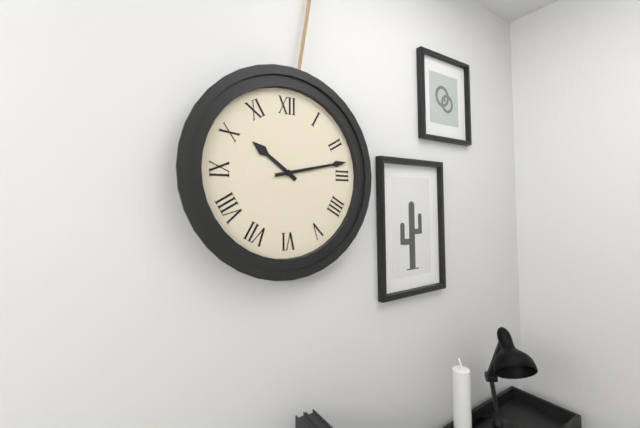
10 h 13 min
